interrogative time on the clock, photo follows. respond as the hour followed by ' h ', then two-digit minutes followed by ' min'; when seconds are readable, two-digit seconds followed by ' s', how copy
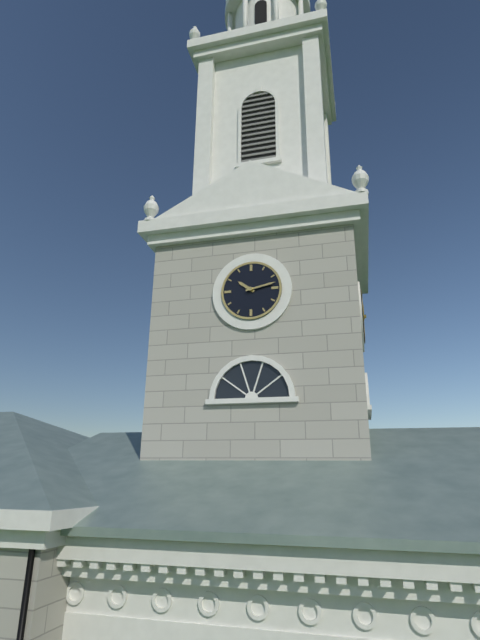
10 h 13 min
